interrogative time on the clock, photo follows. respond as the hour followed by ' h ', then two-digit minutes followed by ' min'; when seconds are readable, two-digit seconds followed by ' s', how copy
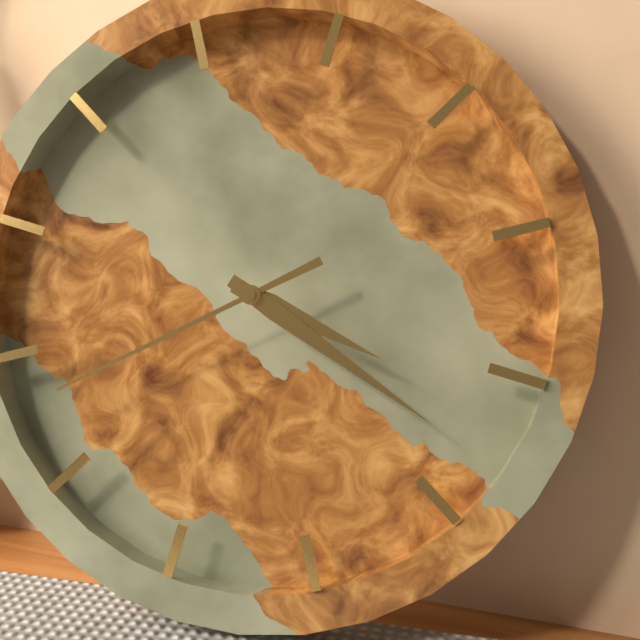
3 h 18 min 38 s
